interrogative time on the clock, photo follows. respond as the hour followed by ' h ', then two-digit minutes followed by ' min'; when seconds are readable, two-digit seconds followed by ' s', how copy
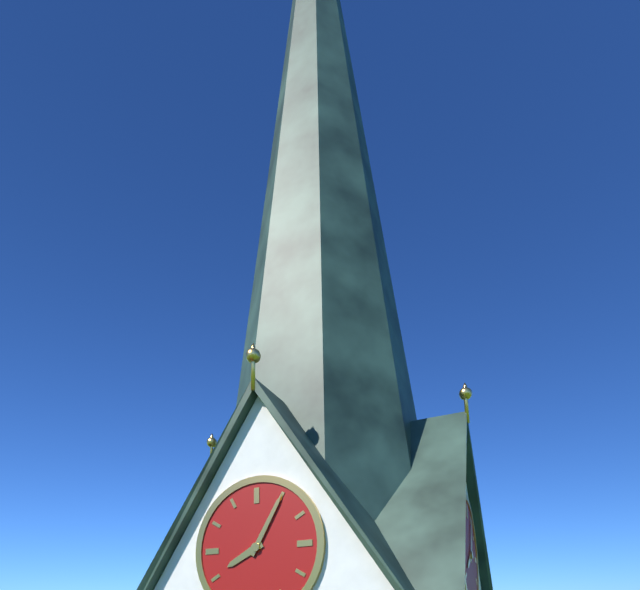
8 h 05 min
